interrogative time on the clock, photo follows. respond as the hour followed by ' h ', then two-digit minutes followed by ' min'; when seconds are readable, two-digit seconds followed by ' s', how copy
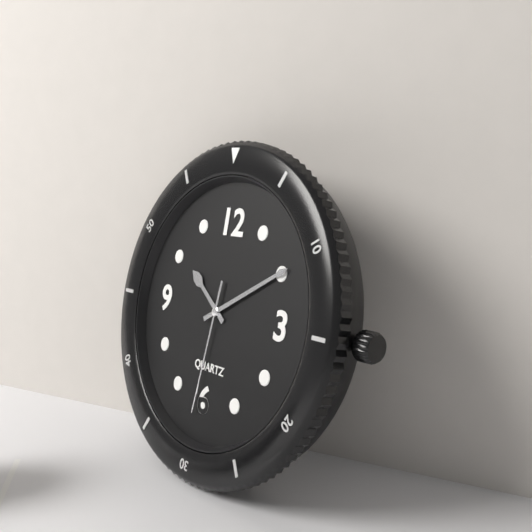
10 h 10 min 31 s
